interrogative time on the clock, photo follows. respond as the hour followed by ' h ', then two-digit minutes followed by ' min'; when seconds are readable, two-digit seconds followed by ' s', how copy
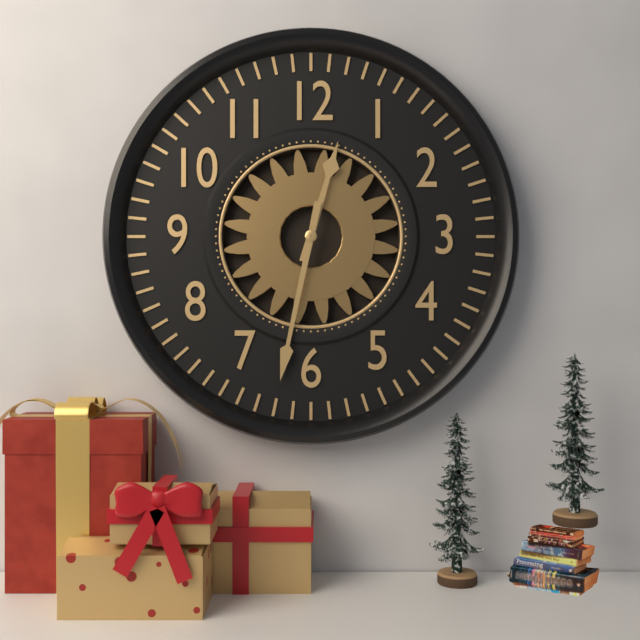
12 h 32 min
